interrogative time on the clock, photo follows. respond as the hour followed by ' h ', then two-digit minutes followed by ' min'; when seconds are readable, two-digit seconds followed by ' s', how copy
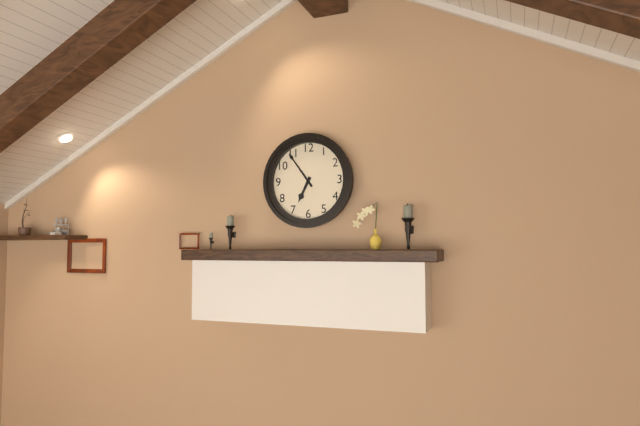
6 h 54 min
